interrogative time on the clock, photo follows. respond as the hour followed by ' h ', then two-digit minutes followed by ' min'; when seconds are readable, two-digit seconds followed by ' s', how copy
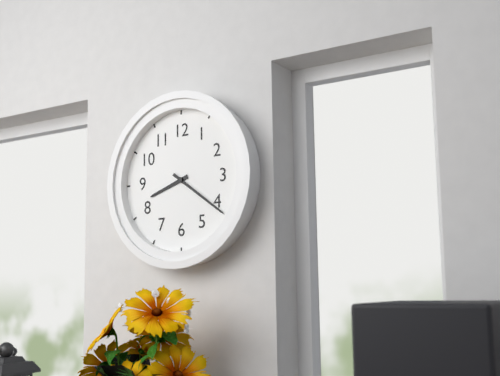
8 h 21 min
